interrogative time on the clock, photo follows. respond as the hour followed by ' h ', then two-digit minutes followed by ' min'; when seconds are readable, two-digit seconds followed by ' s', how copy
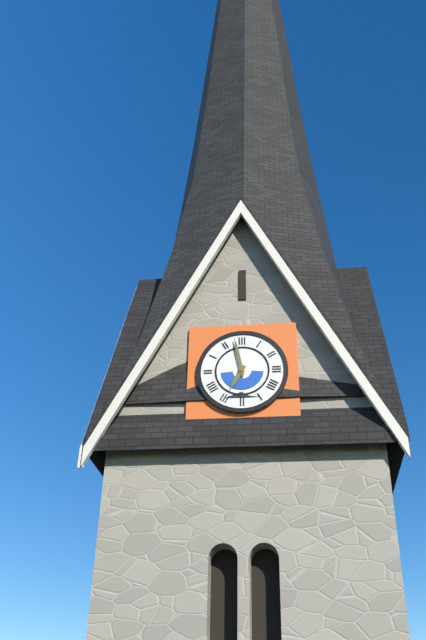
6 h 58 min
